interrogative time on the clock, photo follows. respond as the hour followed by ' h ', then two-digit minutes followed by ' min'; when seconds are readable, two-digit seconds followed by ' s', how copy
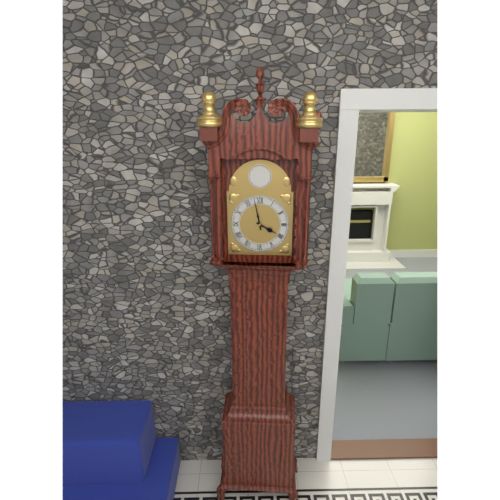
3 h 58 min
